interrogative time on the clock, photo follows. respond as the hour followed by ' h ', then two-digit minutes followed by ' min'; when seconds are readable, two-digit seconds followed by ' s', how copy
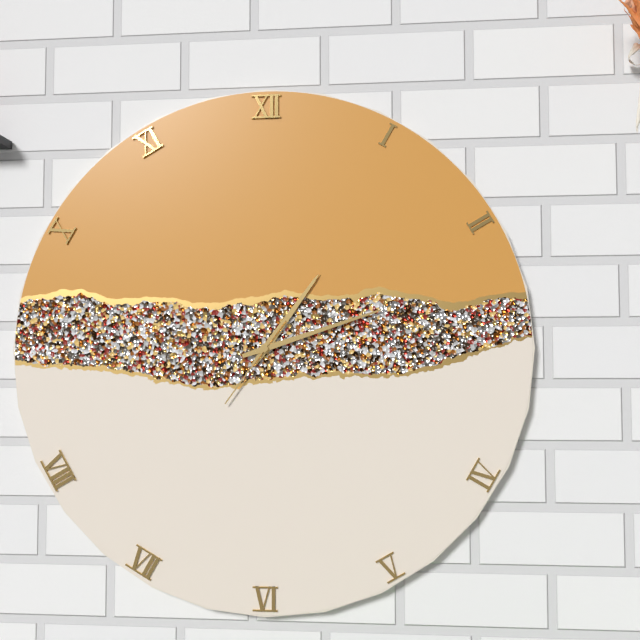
1 h 12 min 36 s
